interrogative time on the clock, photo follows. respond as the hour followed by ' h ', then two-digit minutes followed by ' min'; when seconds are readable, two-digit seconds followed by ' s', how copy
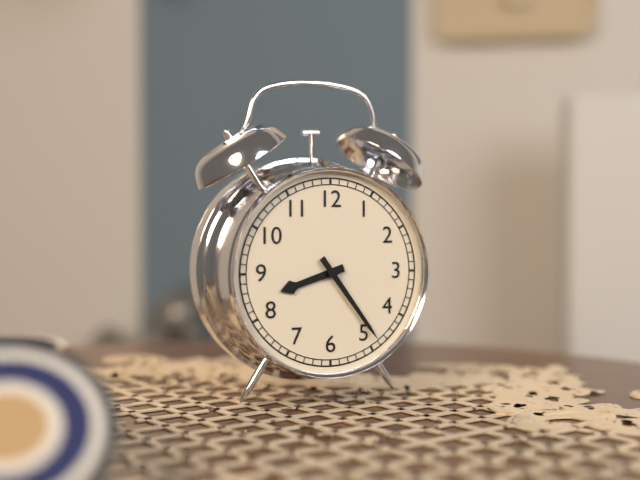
8 h 24 min
